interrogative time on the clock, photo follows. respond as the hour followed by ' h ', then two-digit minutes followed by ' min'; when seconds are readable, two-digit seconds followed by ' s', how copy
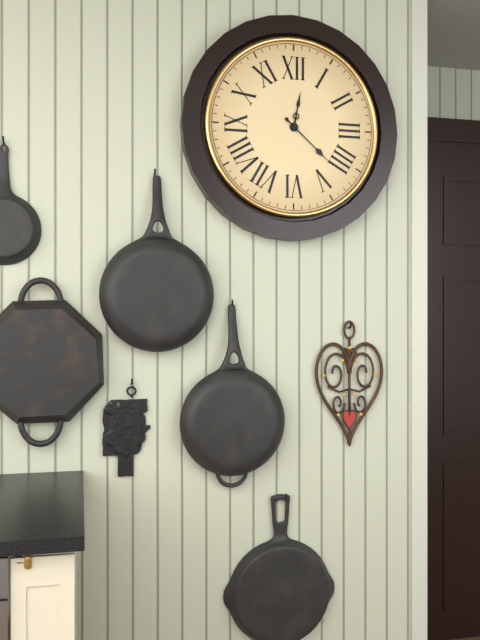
12 h 22 min
